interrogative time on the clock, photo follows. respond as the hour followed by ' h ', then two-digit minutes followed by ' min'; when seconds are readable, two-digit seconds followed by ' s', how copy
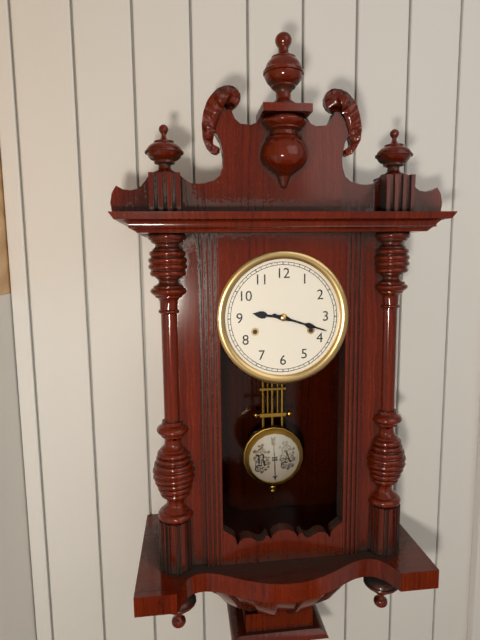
9 h 18 min
